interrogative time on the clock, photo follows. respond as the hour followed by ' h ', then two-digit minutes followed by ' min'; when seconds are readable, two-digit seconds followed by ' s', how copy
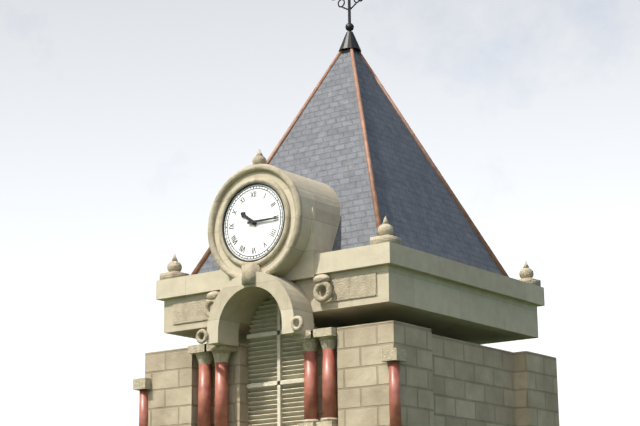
10 h 15 min
